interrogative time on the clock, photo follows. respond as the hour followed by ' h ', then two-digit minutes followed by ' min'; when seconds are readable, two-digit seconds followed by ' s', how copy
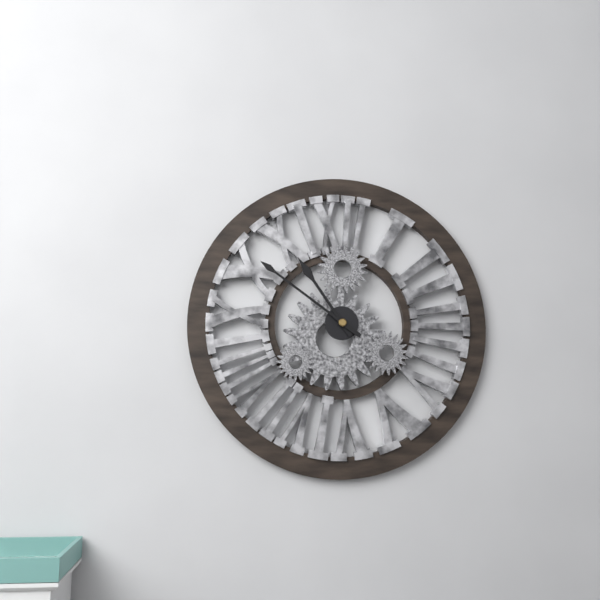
10 h 51 min
